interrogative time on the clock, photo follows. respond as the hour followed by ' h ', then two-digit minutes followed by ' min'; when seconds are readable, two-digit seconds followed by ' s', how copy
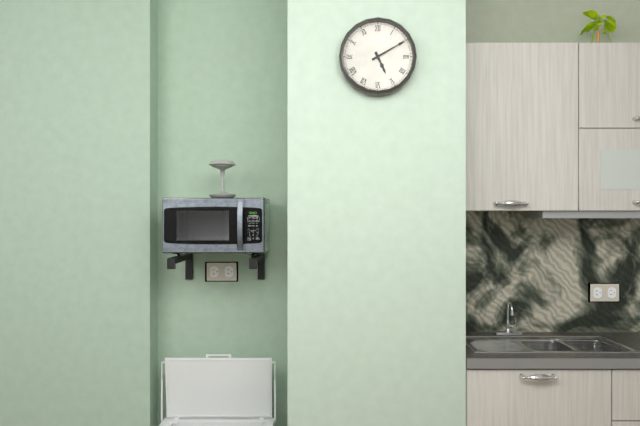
5 h 10 min
